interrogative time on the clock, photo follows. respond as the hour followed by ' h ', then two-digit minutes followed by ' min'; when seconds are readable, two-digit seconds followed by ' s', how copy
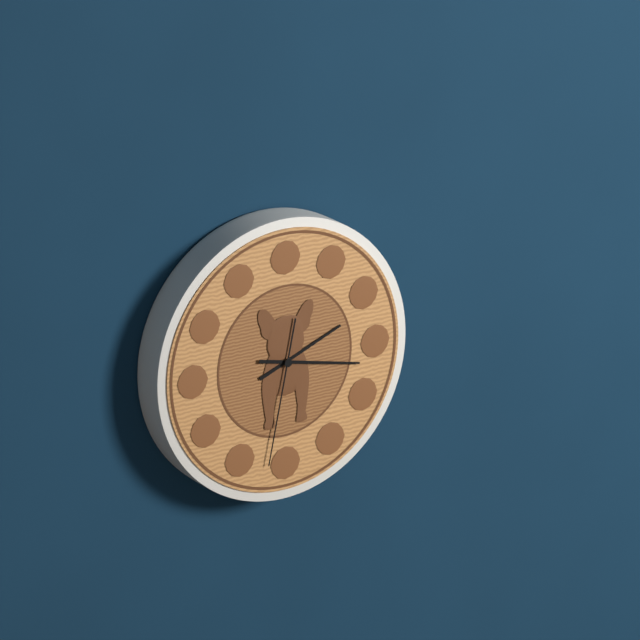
2 h 17 min 32 s
